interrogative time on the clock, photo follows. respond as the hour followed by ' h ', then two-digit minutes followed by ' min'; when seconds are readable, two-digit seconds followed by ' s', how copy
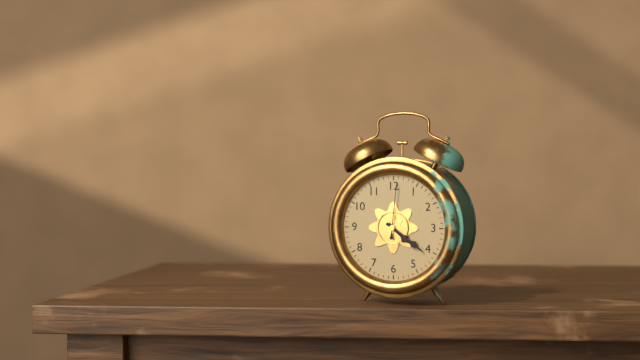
4 h 21 min 01 s
